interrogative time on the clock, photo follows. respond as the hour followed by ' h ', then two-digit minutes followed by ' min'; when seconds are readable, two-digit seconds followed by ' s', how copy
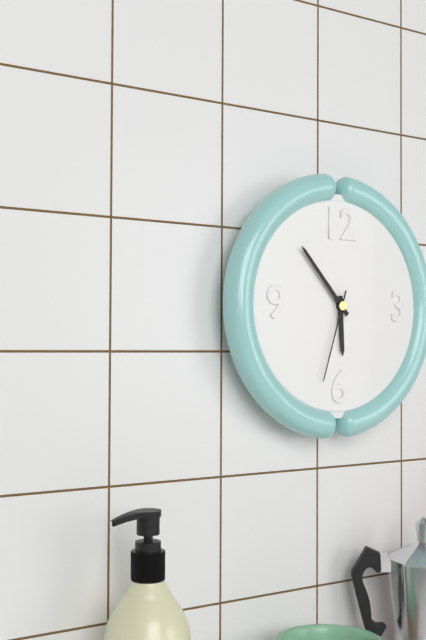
5 h 53 min 33 s
